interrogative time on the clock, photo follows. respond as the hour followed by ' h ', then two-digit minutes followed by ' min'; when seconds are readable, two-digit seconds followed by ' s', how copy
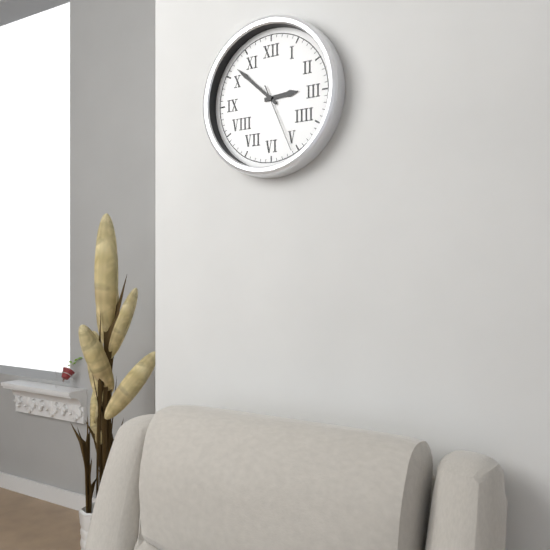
2 h 52 min 26 s
